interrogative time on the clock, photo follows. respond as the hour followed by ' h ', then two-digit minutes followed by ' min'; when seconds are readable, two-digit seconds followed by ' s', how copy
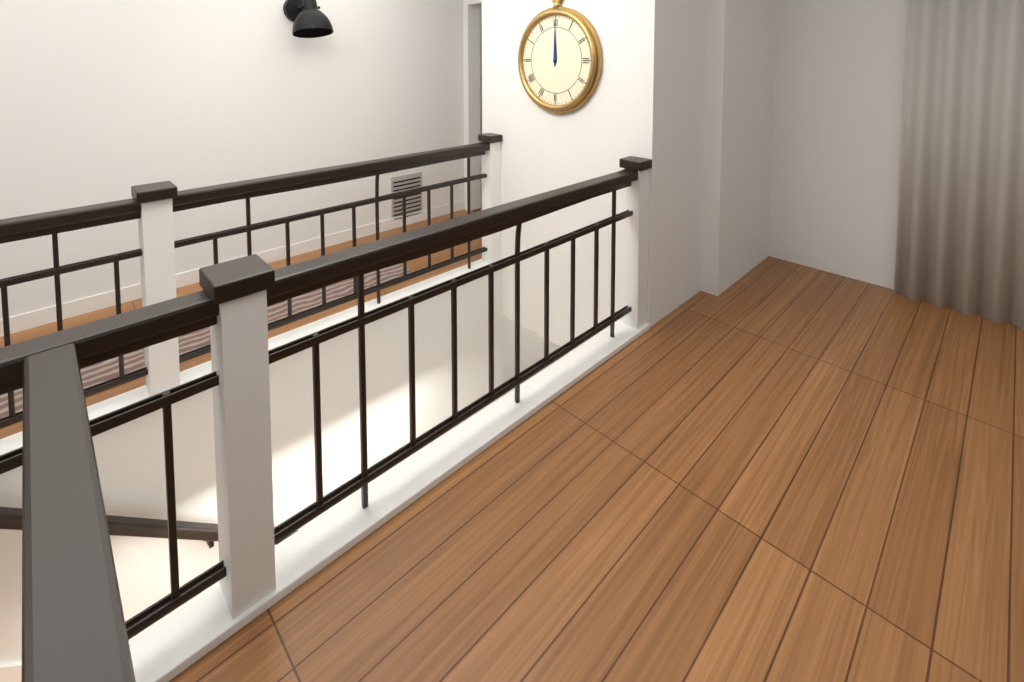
12 h 00 min
